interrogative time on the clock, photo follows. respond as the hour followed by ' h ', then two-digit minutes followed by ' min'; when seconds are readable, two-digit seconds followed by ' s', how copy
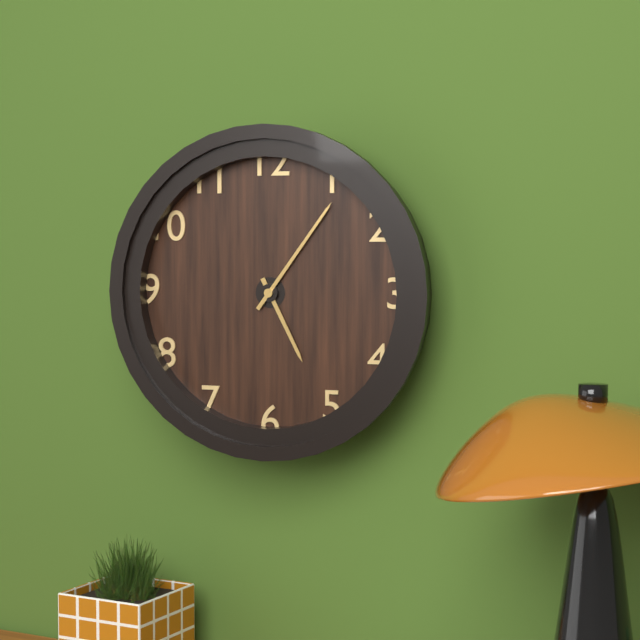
5 h 06 min
